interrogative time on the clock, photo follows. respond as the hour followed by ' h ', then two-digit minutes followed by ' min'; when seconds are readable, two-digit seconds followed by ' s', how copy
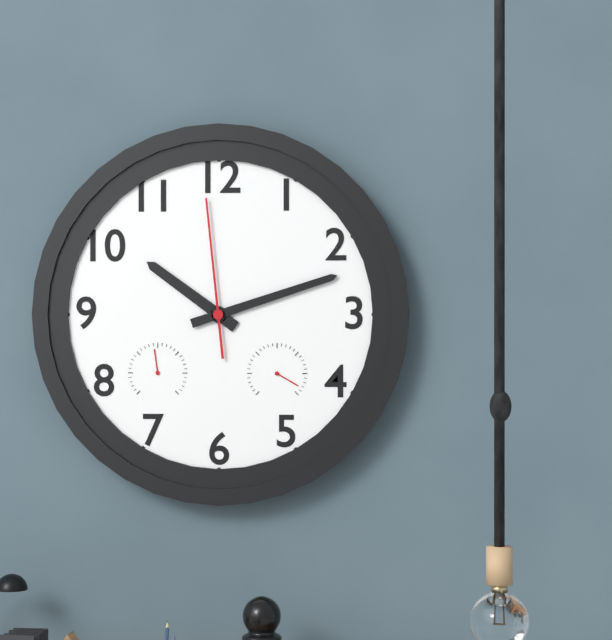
10 h 12 min 59 s
